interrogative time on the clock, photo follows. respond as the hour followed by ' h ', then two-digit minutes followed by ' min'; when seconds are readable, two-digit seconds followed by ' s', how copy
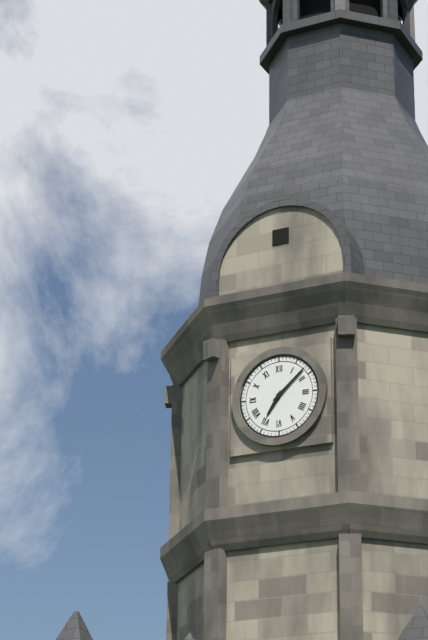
7 h 08 min
